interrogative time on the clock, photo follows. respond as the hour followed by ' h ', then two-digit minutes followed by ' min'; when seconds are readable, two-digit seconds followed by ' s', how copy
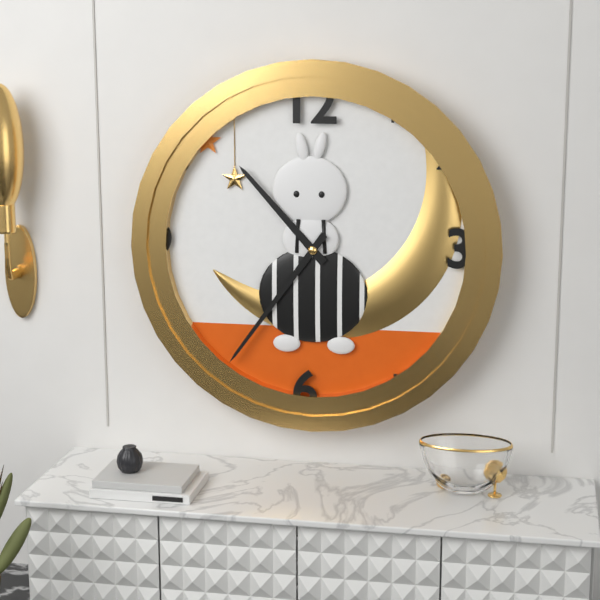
10 h 36 min
